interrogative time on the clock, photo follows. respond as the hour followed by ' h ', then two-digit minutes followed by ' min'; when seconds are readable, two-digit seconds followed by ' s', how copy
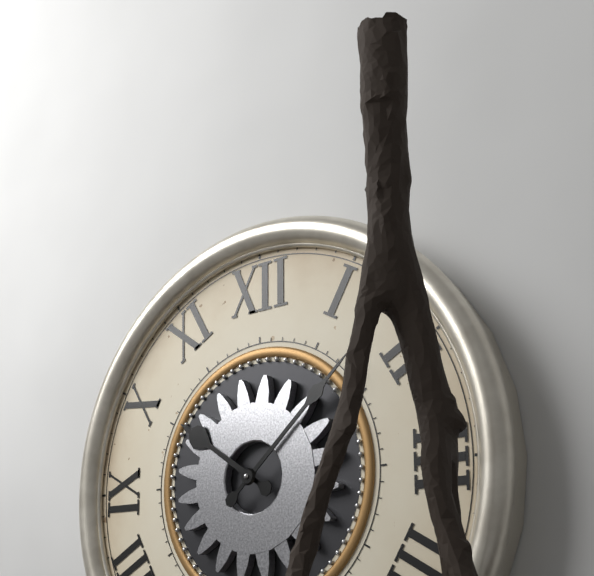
10 h 08 min
